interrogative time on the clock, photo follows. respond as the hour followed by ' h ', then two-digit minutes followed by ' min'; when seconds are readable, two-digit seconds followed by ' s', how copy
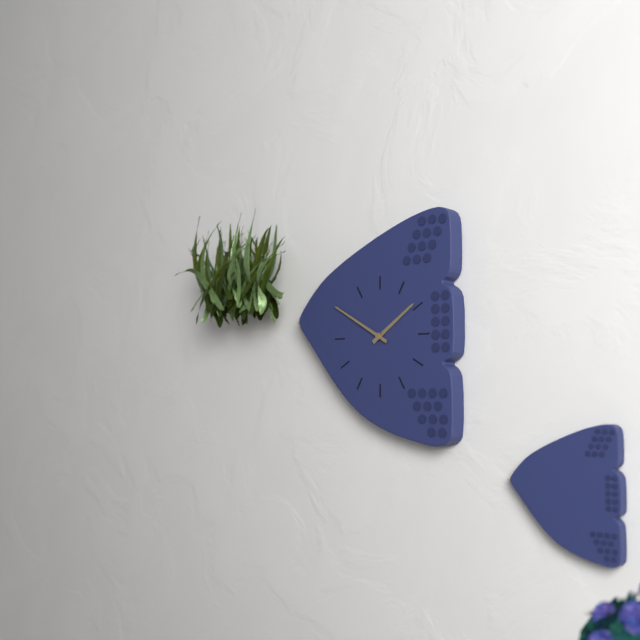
1 h 50 min
